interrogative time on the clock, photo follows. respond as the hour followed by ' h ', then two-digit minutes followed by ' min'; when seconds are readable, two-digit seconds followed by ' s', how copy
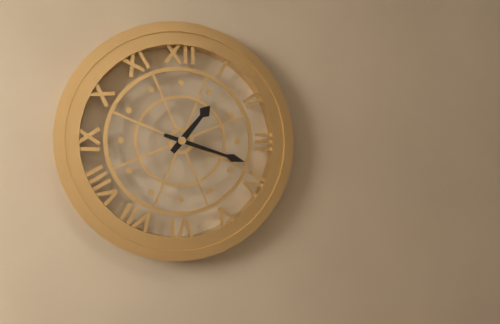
1 h 18 min
